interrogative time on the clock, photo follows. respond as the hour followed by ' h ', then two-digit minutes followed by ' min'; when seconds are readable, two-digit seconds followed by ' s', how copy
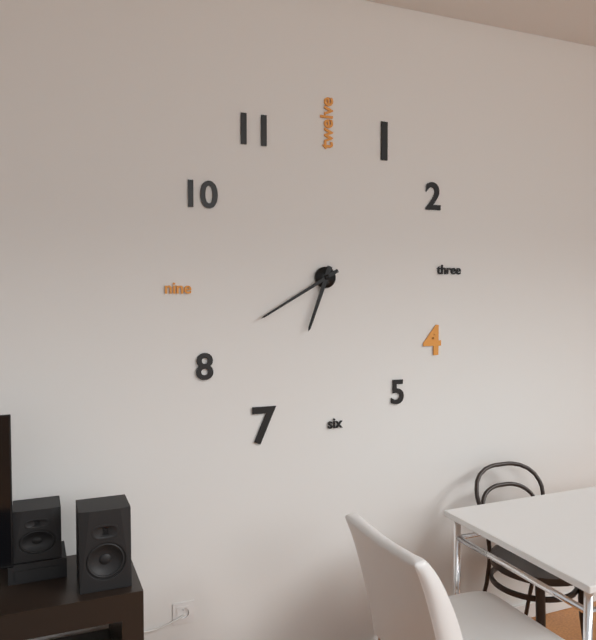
6 h 40 min
